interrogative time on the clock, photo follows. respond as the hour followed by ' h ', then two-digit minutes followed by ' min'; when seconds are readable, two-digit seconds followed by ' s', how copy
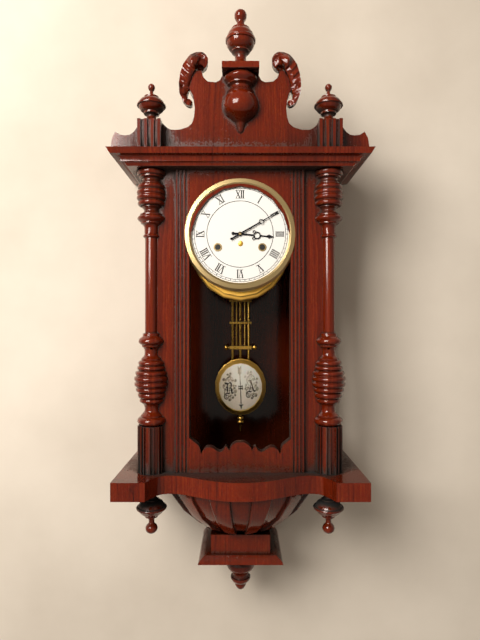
3 h 10 min
